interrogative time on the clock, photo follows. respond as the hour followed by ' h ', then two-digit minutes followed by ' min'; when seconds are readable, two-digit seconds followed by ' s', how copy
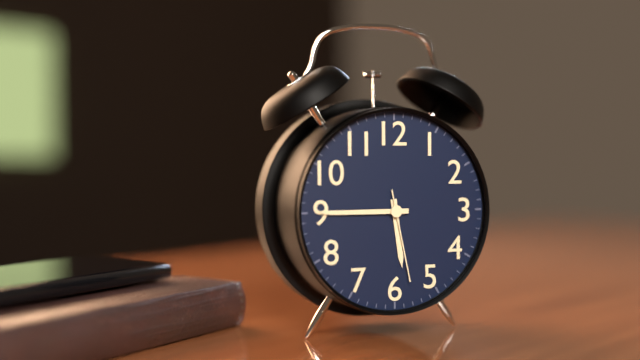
5 h 45 min 28 s
